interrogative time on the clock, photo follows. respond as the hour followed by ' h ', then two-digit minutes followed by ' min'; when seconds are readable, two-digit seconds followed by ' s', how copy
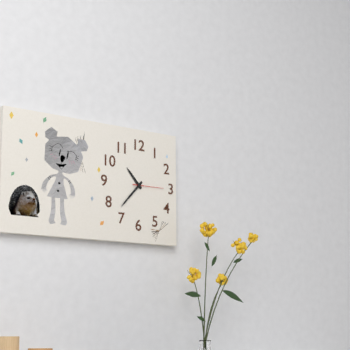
10 h 37 min
